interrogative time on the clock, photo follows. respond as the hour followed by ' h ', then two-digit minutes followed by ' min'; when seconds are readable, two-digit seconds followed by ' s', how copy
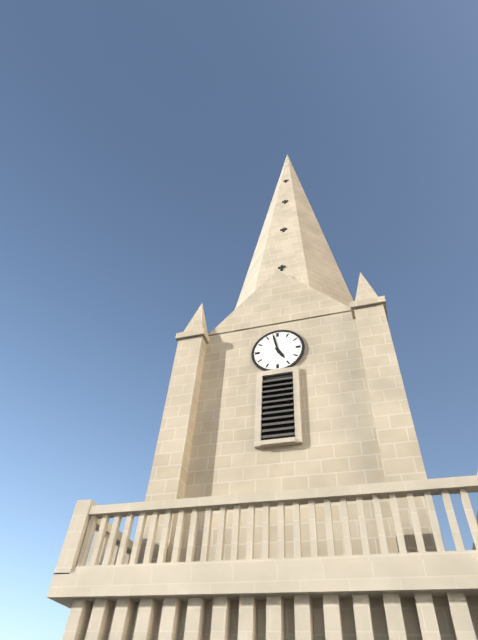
4 h 58 min
